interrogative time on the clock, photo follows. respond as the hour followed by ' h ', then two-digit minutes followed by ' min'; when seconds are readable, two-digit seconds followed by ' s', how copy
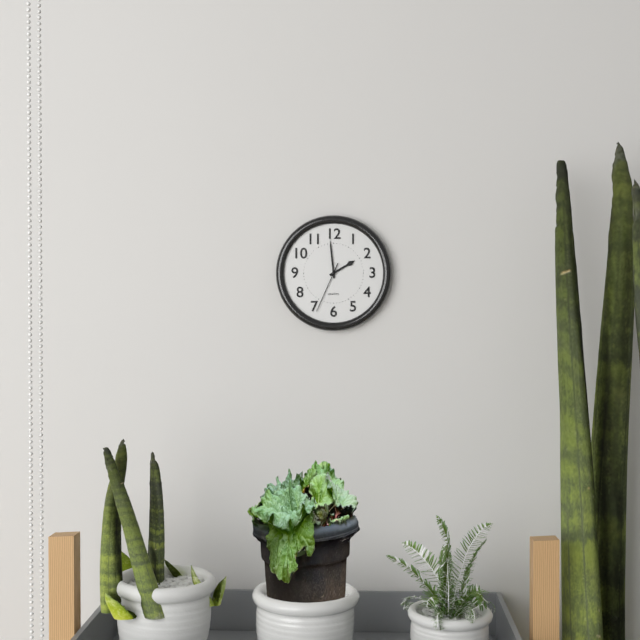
1 h 59 min 34 s
